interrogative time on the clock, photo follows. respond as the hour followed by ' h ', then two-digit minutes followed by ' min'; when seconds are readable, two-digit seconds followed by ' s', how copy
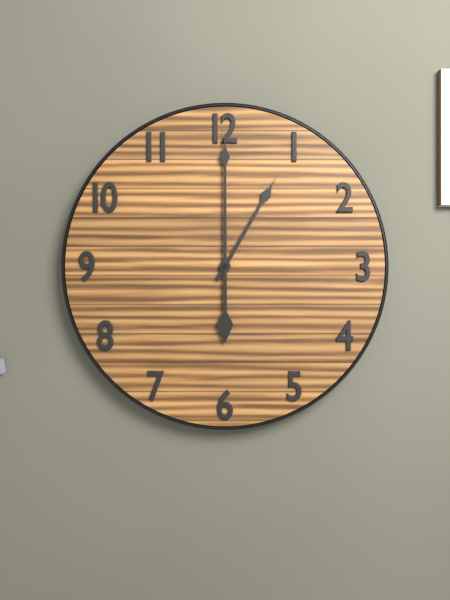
1 h 00 min
